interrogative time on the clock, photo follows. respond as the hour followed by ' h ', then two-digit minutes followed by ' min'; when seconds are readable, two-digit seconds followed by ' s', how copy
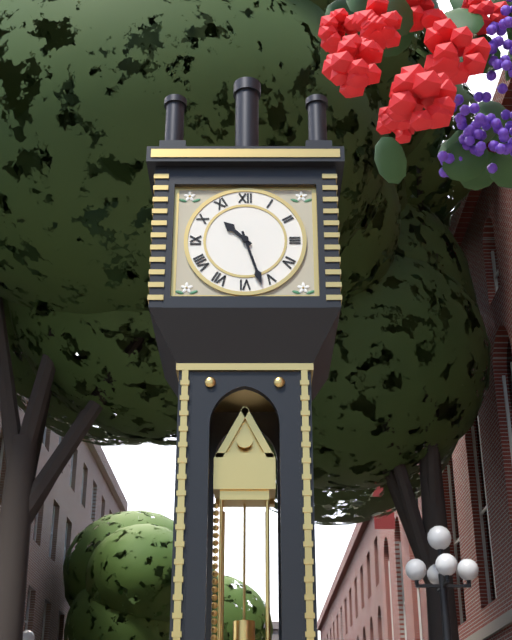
10 h 27 min
